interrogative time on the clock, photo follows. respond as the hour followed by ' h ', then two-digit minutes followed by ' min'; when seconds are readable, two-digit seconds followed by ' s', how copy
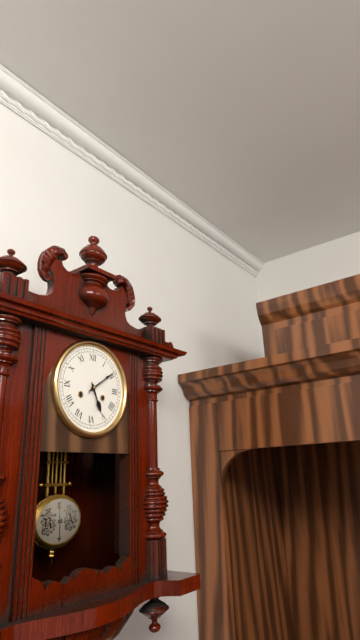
5 h 09 min
